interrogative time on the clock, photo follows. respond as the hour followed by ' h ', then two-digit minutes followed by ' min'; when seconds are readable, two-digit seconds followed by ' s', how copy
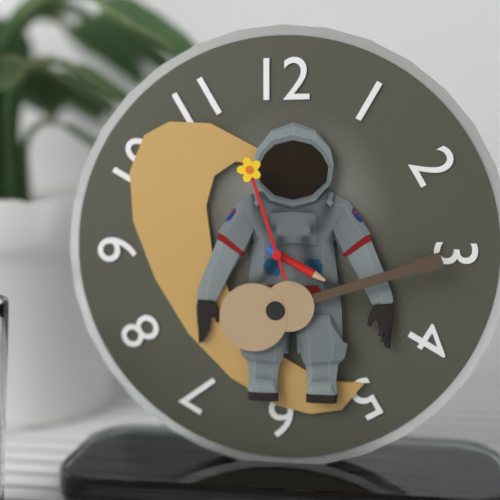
3 h 57 min
